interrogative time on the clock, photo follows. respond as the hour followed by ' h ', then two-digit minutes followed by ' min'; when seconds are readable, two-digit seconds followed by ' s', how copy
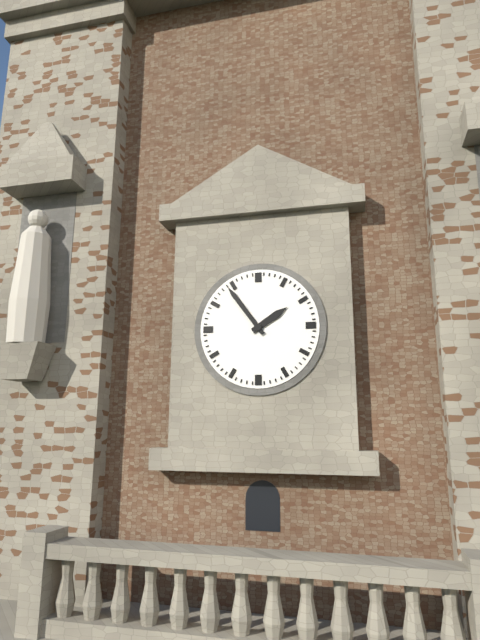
1 h 54 min
